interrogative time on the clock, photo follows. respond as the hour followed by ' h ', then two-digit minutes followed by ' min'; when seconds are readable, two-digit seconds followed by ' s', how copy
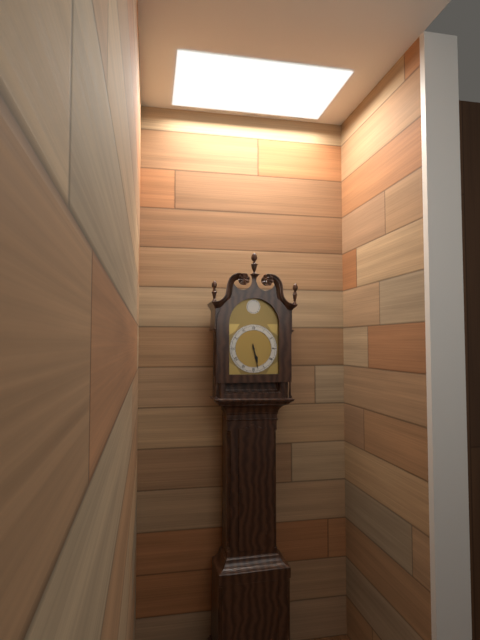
5 h 28 min
